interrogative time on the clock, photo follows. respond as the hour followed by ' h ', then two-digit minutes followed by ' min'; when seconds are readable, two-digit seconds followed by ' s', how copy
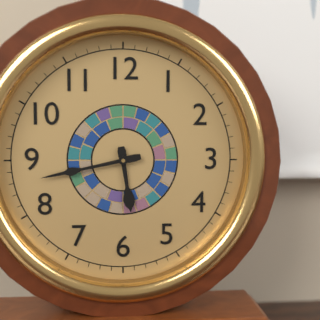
5 h 43 min
